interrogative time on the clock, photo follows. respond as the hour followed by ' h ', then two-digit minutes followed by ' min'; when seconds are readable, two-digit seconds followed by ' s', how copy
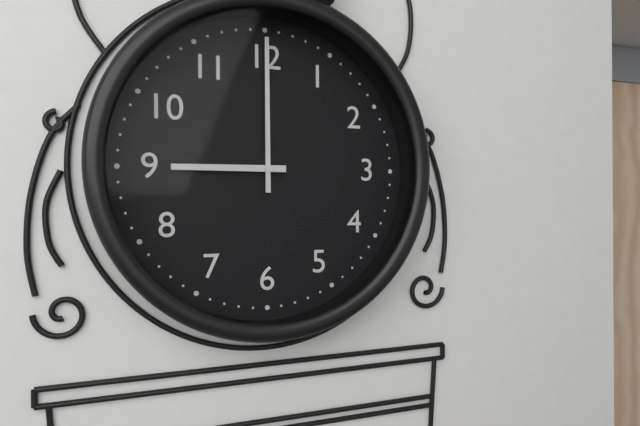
9 h 00 min
